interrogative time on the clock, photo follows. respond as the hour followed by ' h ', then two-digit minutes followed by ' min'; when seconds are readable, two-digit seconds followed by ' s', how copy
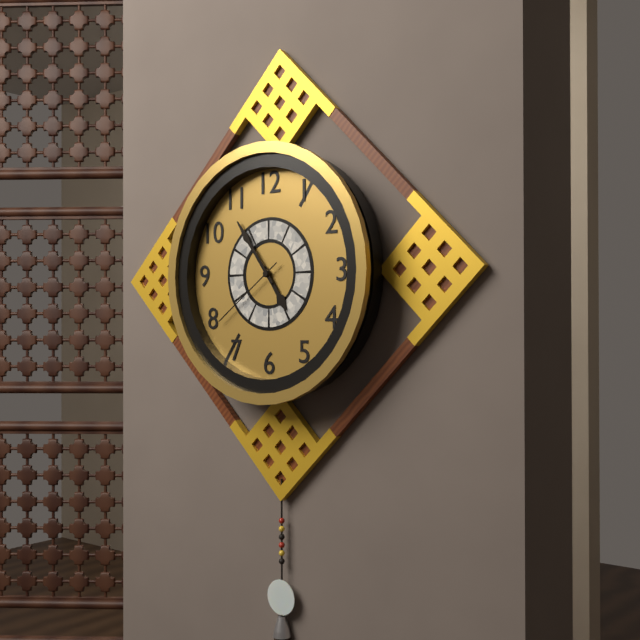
4 h 54 min 39 s
